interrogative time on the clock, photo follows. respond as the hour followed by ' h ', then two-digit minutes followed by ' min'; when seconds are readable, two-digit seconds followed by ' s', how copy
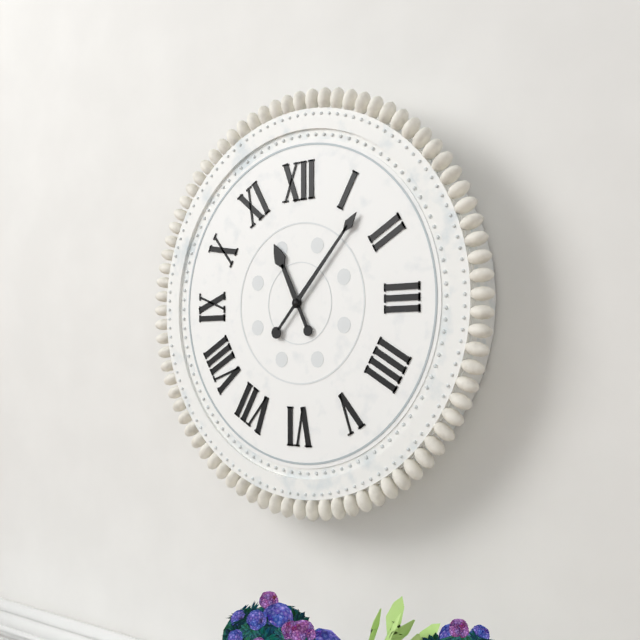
11 h 07 min
